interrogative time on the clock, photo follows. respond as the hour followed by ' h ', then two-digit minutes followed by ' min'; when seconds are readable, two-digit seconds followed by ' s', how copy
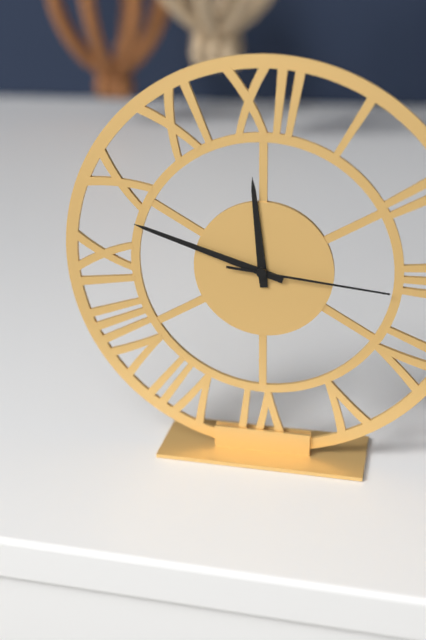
11 h 48 min 16 s
